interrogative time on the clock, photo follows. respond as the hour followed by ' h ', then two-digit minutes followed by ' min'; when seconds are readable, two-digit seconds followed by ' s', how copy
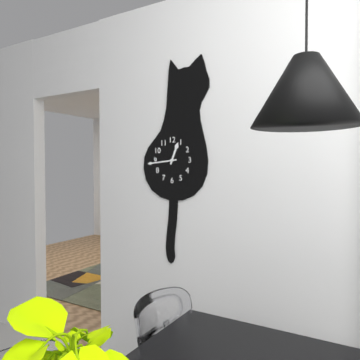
12 h 44 min
